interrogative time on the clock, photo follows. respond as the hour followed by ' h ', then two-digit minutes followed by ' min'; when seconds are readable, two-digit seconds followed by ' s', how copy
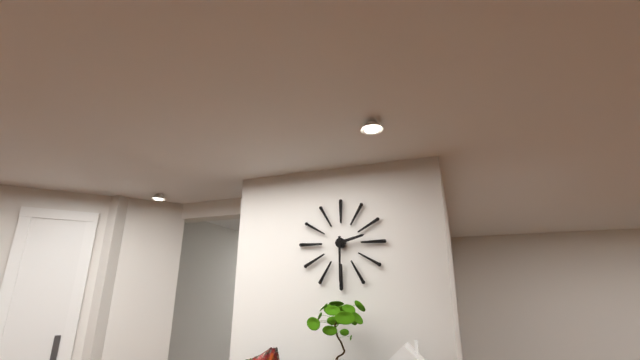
2 h 30 min
